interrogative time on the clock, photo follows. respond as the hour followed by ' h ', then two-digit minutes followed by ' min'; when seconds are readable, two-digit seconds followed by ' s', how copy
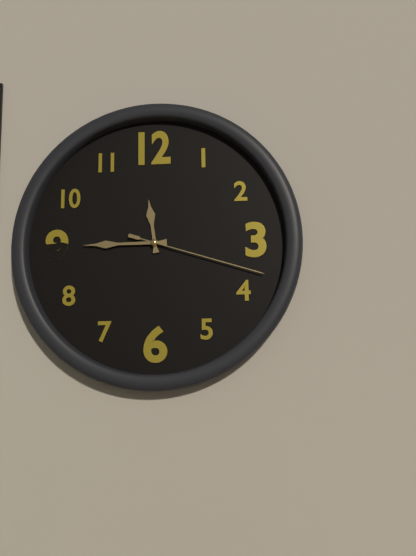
11 h 45 min 18 s
